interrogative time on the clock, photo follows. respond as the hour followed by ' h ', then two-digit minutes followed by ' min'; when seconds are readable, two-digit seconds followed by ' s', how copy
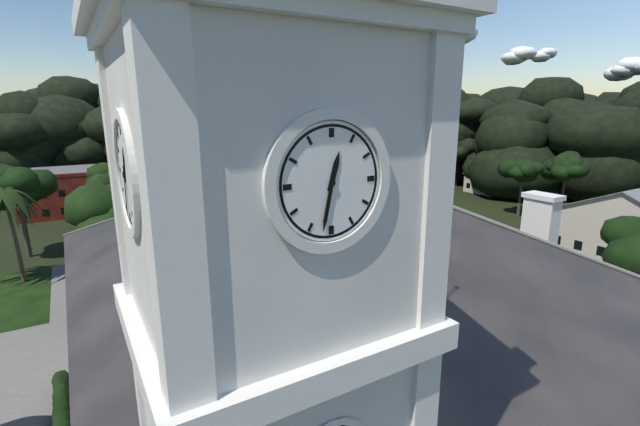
12 h 32 min
